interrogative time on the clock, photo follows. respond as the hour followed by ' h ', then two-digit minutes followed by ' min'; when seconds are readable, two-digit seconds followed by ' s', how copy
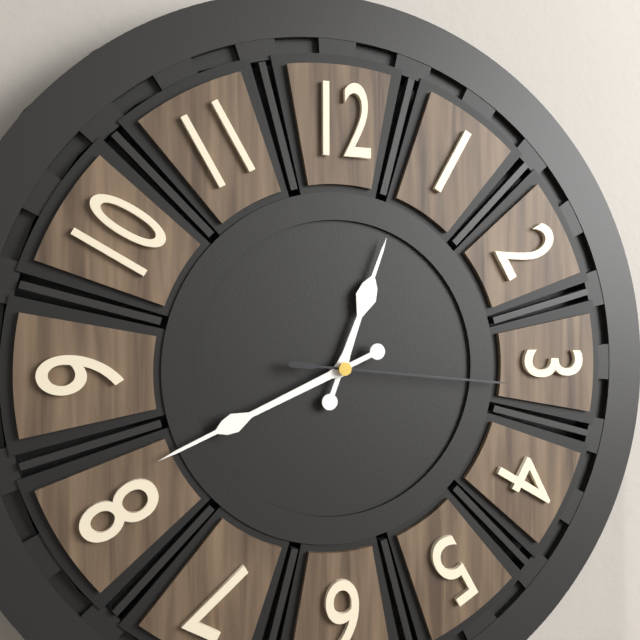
12 h 41 min 16 s
